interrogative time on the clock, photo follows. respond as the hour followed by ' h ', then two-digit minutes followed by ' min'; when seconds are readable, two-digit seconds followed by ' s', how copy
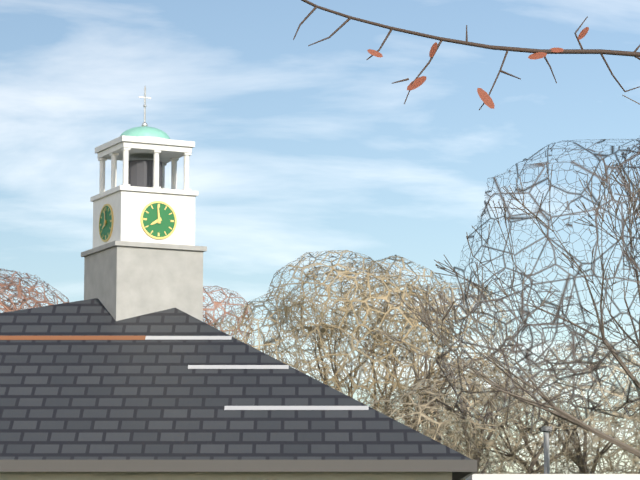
7 h 59 min
